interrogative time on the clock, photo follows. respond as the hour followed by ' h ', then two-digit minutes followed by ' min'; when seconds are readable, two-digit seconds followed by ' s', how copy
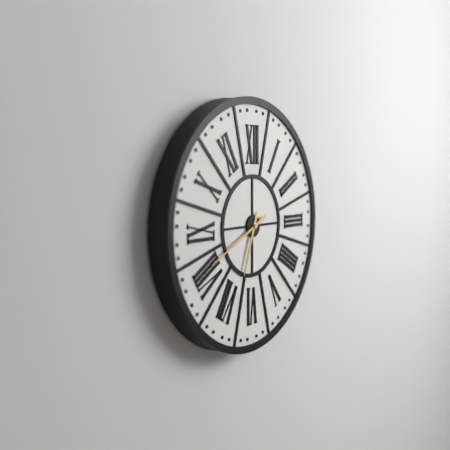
6 h 41 min
